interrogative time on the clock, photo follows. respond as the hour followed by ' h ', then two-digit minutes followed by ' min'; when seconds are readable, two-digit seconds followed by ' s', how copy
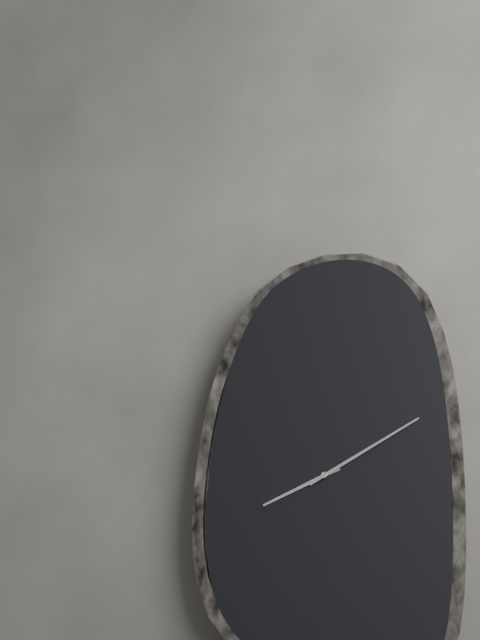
8 h 10 min
